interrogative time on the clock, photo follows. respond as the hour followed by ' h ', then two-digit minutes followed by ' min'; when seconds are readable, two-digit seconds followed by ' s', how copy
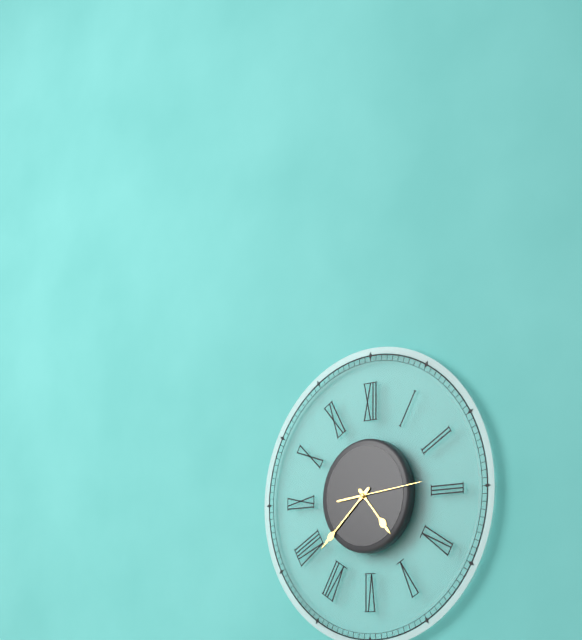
4 h 38 min 14 s
